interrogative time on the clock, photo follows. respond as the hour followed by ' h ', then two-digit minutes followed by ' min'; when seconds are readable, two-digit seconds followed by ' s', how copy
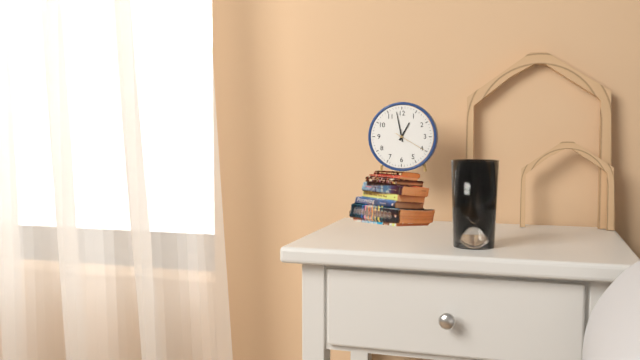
12 h 58 min
